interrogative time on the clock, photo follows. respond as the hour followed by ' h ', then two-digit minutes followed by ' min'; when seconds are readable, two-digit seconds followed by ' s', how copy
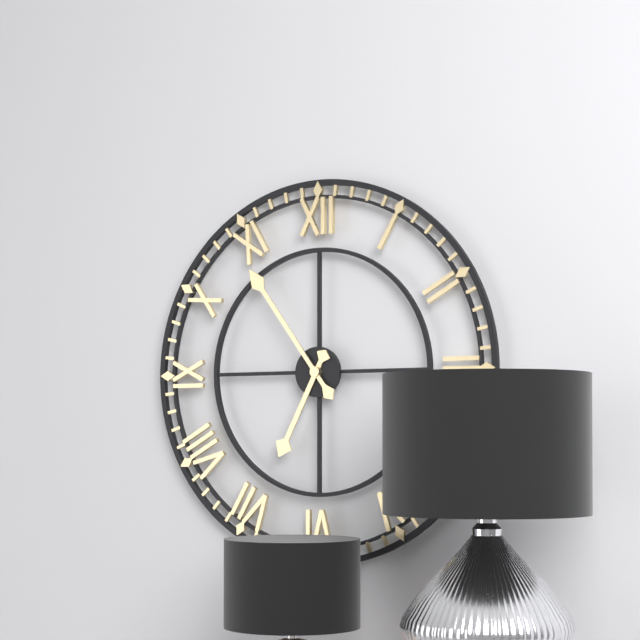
6 h 54 min
